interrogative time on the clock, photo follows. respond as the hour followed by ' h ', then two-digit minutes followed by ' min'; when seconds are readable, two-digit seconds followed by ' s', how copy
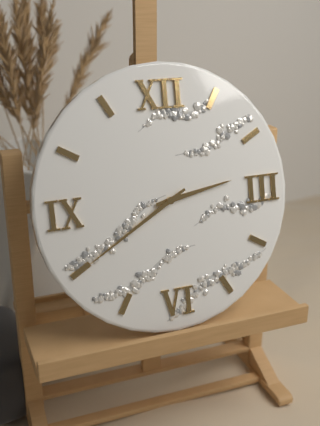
2 h 40 min
